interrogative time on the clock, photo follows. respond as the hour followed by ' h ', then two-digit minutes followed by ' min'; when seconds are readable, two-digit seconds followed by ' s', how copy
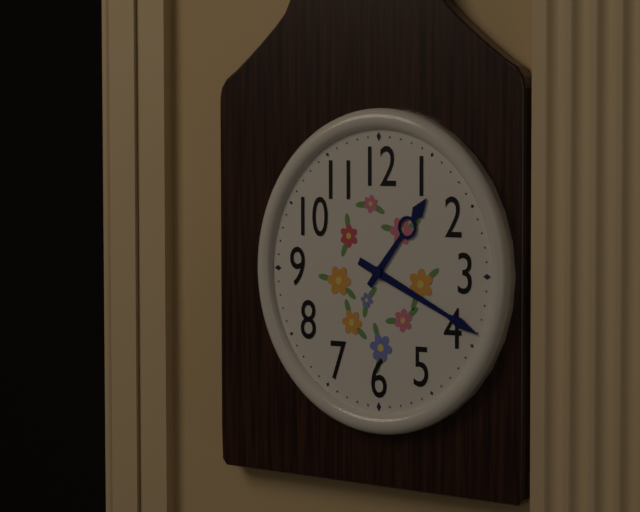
1 h 19 min
